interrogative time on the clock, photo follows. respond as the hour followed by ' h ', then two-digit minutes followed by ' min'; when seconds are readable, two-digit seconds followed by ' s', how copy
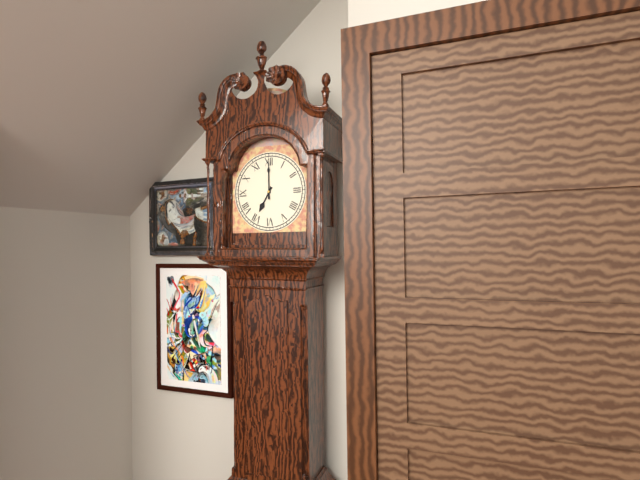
7 h 00 min
